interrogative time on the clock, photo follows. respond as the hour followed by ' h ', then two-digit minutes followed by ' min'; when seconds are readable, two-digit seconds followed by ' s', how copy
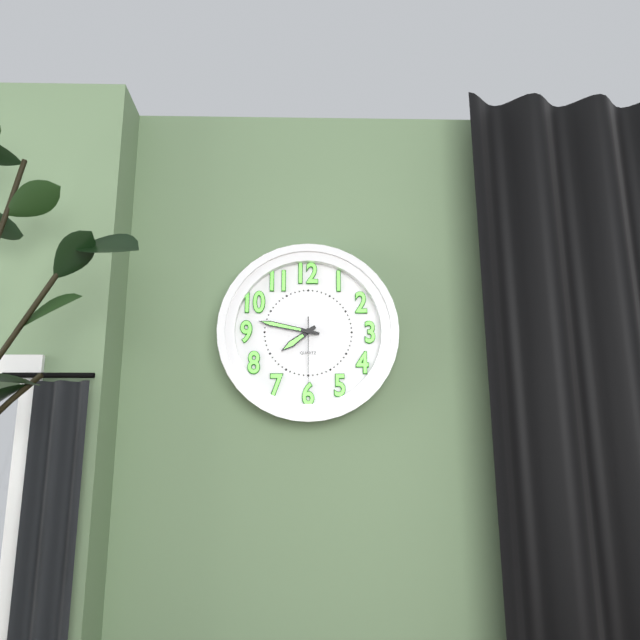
7 h 47 min 30 s
